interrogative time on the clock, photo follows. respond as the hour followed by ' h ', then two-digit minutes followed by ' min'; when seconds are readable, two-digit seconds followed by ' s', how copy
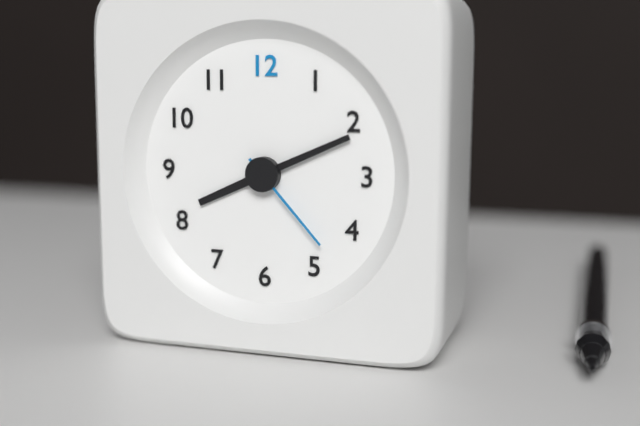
8 h 11 min 23 s
